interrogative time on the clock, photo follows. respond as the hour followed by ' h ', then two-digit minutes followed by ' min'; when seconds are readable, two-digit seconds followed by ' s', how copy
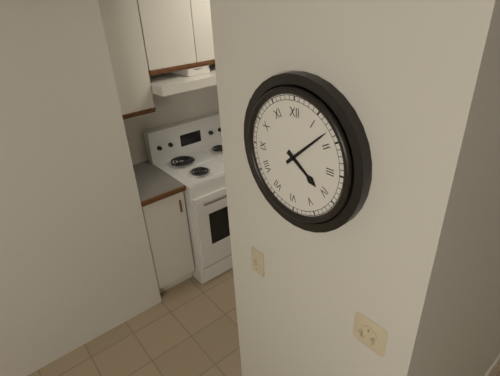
4 h 08 min
